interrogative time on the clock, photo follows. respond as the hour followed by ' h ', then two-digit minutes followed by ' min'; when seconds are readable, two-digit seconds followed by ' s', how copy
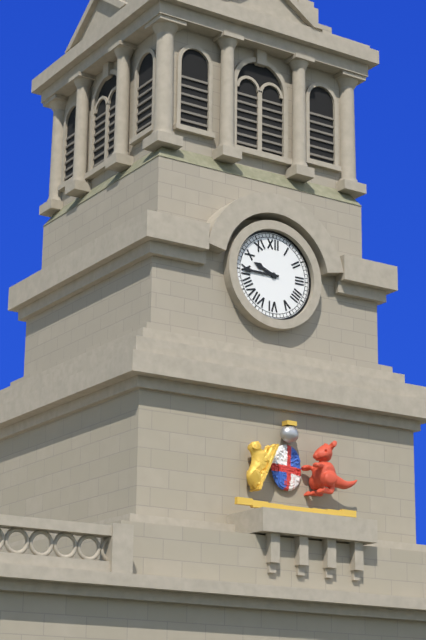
9 h 45 min
